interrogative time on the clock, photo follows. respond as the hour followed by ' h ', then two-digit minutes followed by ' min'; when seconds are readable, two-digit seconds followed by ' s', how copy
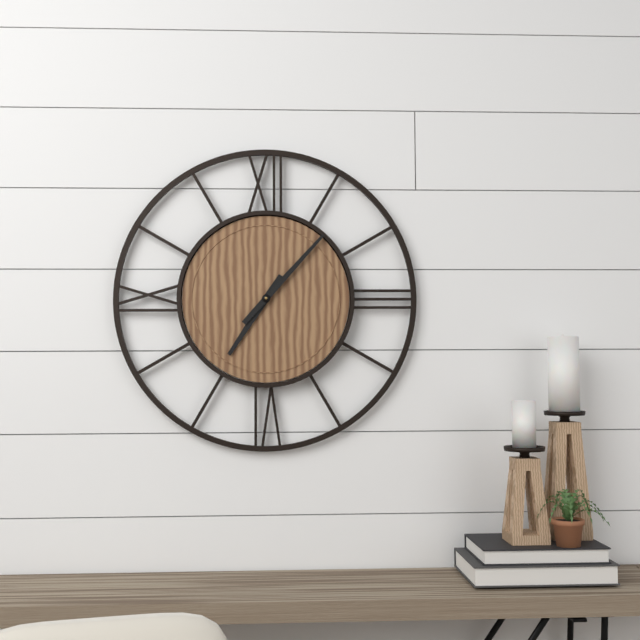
7 h 07 min
